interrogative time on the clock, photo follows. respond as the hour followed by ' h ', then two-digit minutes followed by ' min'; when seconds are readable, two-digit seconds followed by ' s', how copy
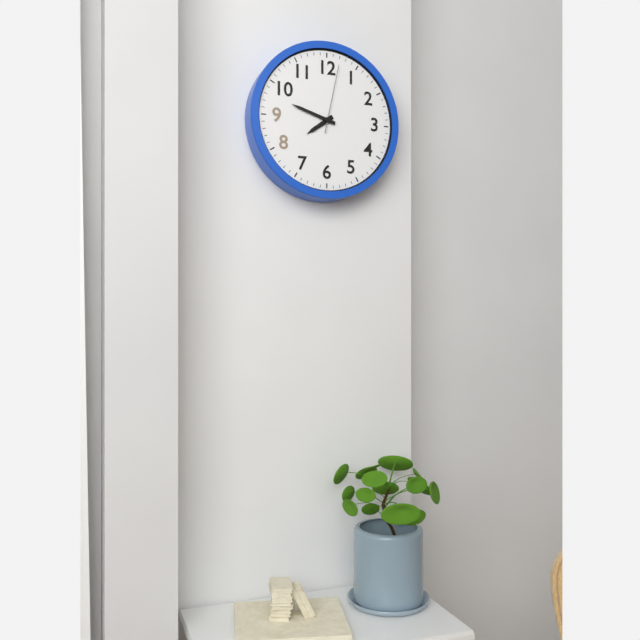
7 h 48 min 02 s
